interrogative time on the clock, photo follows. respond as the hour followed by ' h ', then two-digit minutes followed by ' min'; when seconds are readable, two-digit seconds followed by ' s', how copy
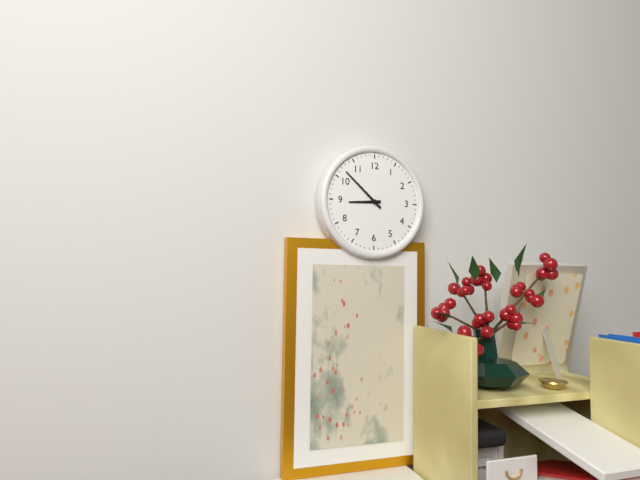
8 h 52 min
